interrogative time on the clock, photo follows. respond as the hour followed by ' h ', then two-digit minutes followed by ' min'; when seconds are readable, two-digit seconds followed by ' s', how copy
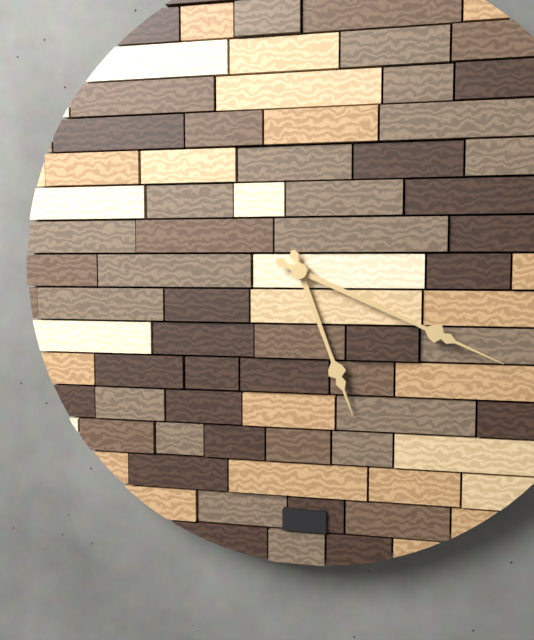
5 h 19 min
